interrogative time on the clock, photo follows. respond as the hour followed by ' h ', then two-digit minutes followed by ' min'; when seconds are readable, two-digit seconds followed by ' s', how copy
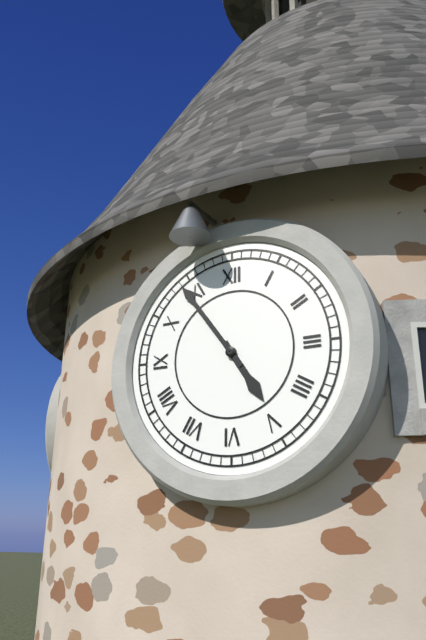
4 h 54 min
